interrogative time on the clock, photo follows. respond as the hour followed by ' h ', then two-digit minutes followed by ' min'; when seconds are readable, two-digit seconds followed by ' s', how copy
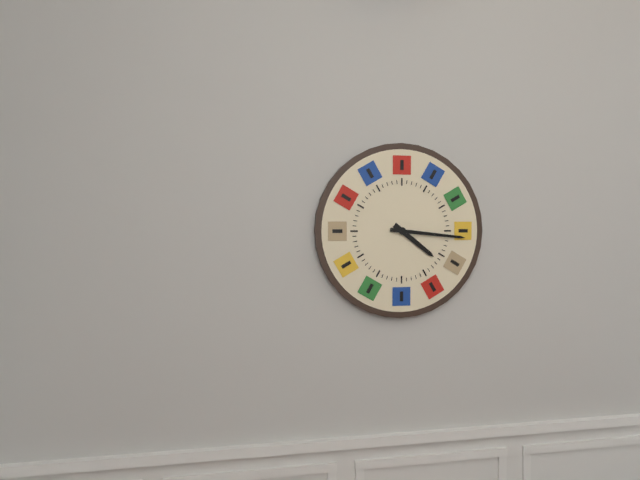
4 h 16 min
